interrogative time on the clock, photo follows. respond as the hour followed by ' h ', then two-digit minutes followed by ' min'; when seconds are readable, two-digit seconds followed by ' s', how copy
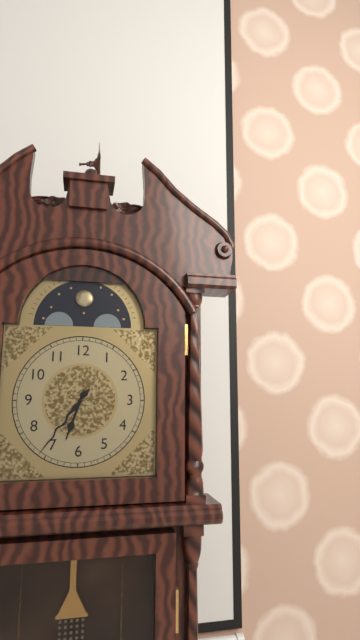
6 h 36 min
